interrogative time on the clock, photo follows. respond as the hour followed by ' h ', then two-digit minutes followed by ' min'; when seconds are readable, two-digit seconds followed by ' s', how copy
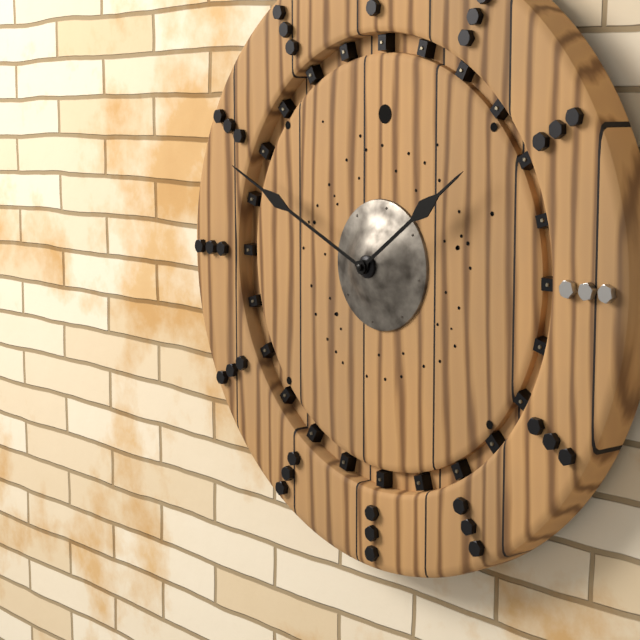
1 h 49 min
